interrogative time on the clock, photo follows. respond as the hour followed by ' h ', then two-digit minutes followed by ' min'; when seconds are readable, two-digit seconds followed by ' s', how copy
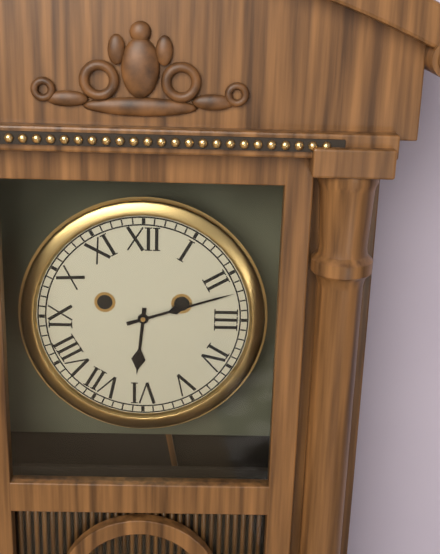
6 h 12 min
